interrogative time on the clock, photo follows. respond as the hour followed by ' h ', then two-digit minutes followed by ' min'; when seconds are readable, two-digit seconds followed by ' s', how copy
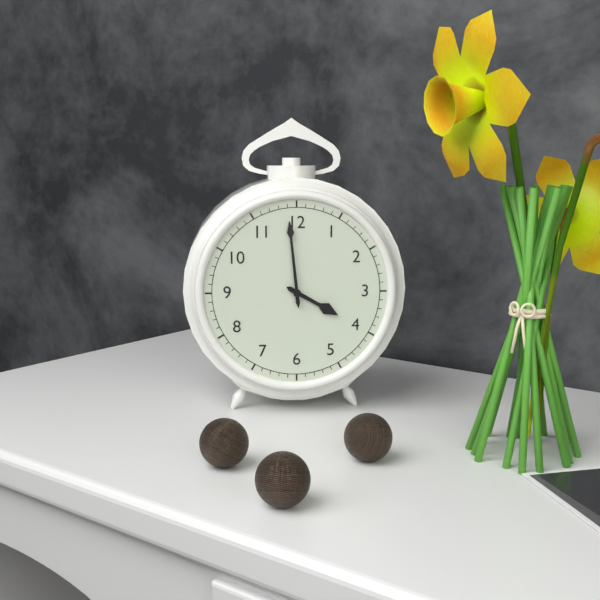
3 h 59 min
